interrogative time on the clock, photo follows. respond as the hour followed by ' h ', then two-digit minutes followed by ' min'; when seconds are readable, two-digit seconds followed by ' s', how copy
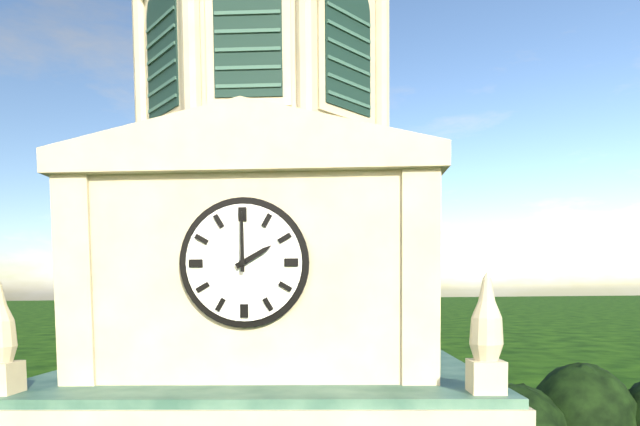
2 h 00 min
